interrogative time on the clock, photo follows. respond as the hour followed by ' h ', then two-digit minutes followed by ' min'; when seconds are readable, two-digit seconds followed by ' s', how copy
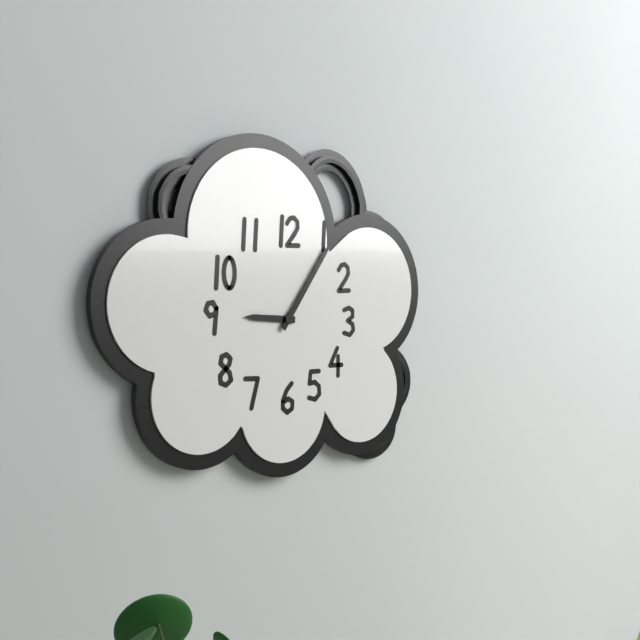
9 h 06 min
